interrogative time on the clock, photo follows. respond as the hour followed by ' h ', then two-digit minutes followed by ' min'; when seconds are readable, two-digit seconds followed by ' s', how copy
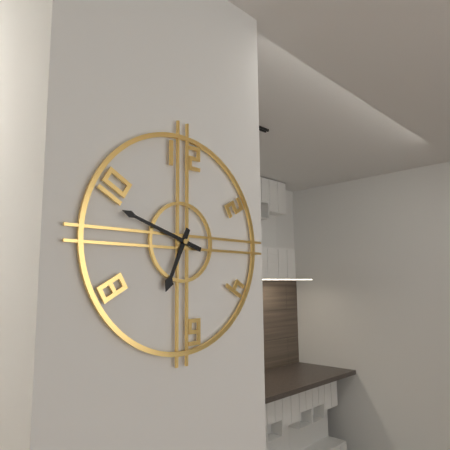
6 h 48 min
